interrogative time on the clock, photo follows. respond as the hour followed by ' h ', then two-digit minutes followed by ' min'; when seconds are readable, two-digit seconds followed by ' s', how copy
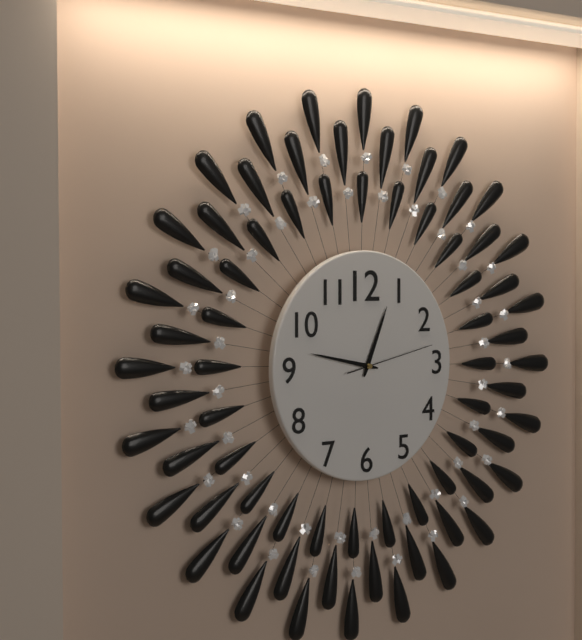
12 h 47 min 13 s
